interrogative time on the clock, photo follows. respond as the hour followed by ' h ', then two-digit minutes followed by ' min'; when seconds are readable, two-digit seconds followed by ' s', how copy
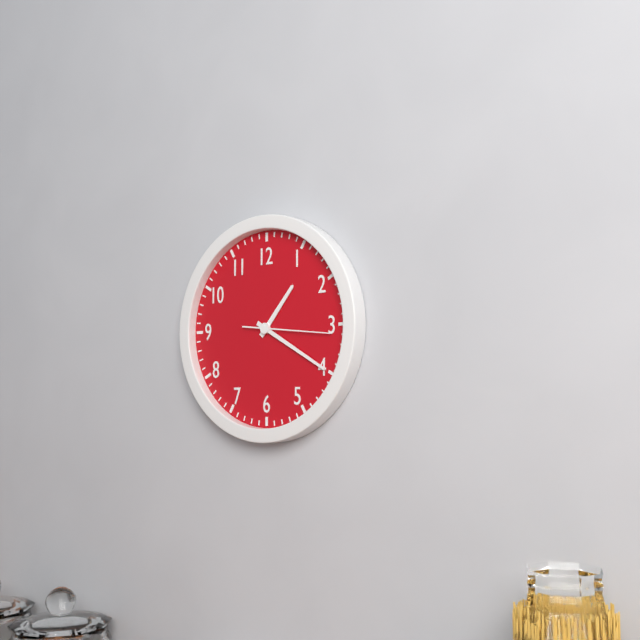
1 h 20 min 16 s
